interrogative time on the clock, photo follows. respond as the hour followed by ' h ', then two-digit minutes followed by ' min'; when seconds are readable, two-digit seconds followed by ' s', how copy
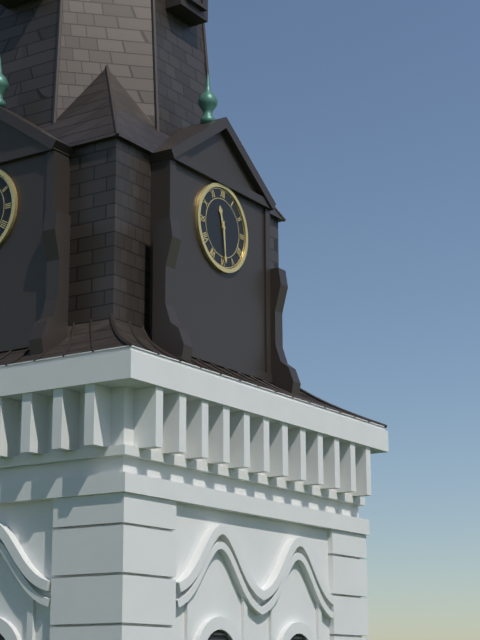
11 h 29 min
